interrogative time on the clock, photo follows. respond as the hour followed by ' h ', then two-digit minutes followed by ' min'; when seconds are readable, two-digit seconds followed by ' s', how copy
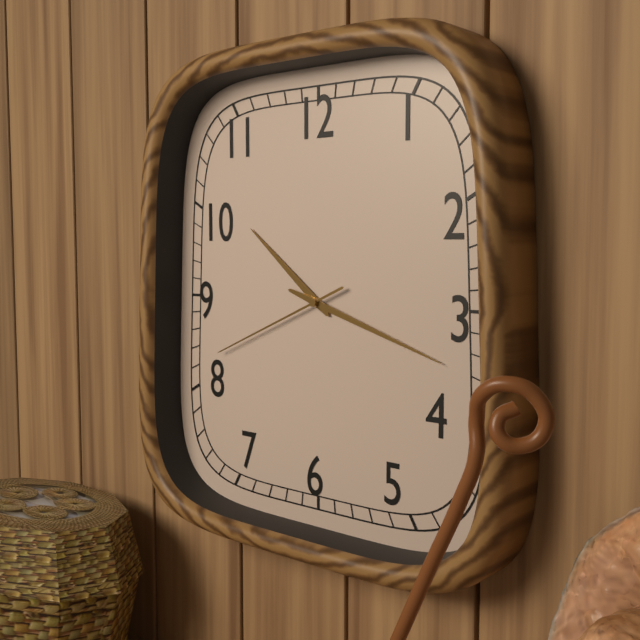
10 h 18 min 41 s
